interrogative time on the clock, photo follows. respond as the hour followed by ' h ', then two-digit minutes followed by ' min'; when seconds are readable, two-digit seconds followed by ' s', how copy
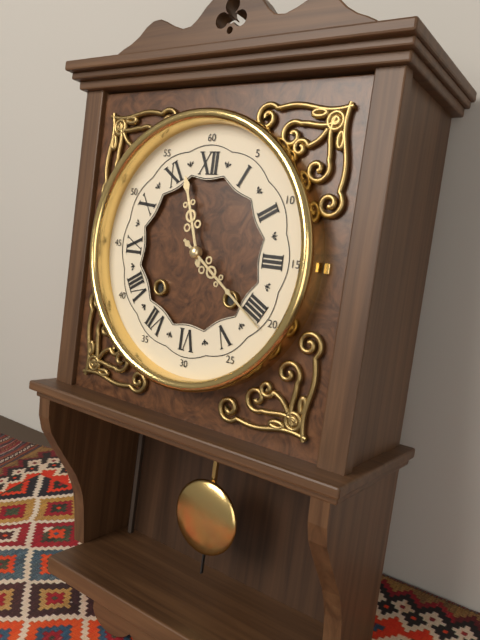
11 h 21 min
